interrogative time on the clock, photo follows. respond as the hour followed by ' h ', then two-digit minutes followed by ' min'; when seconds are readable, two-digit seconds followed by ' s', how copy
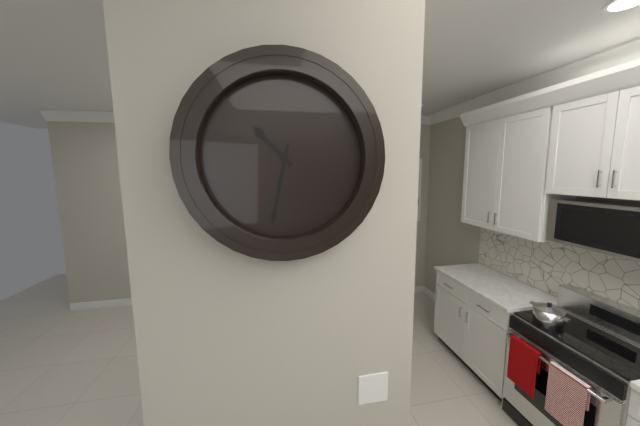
10 h 32 min
